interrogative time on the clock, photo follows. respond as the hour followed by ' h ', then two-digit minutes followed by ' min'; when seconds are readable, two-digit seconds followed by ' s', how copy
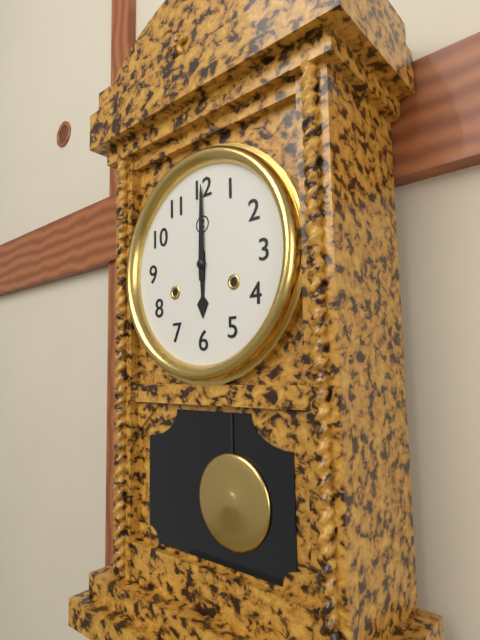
6 h 00 min
